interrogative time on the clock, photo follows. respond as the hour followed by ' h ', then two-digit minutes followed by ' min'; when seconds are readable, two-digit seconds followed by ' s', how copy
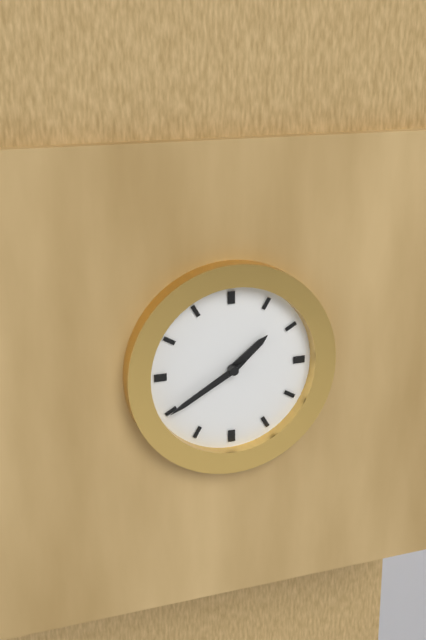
1 h 40 min
